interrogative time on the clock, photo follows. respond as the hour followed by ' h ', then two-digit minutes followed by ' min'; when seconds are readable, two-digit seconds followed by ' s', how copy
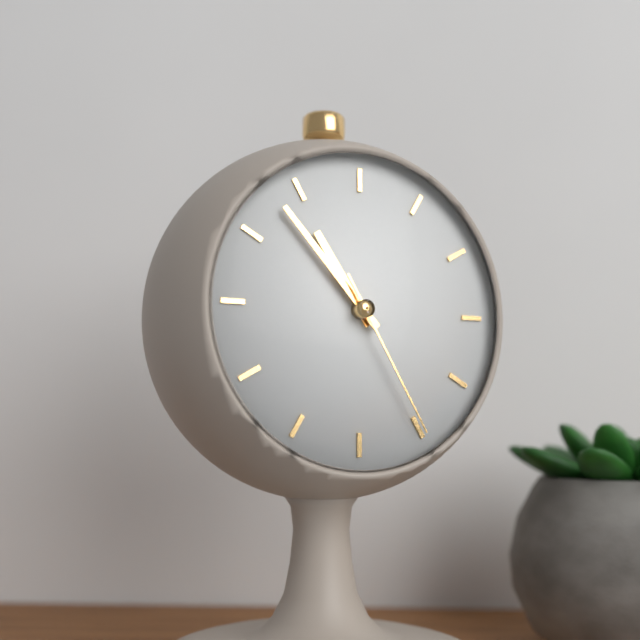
10 h 53 min 25 s
